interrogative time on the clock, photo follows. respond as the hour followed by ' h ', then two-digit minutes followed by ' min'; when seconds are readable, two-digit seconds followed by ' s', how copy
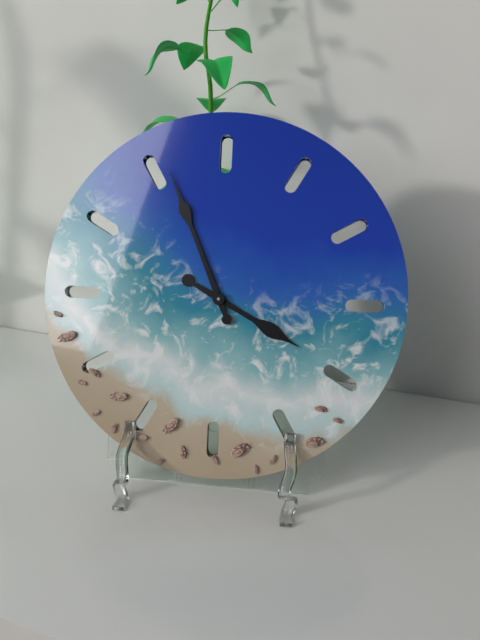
3 h 56 min
